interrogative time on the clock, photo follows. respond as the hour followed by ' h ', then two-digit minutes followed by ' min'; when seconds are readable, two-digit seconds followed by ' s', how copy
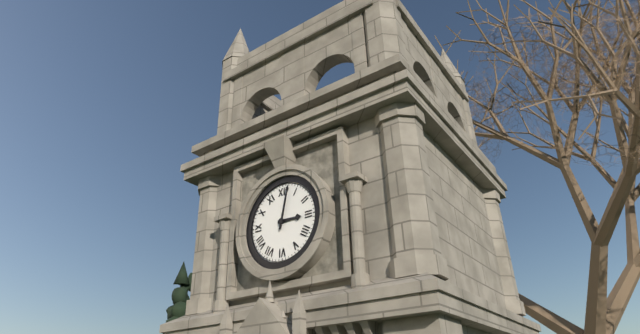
3 h 02 min
